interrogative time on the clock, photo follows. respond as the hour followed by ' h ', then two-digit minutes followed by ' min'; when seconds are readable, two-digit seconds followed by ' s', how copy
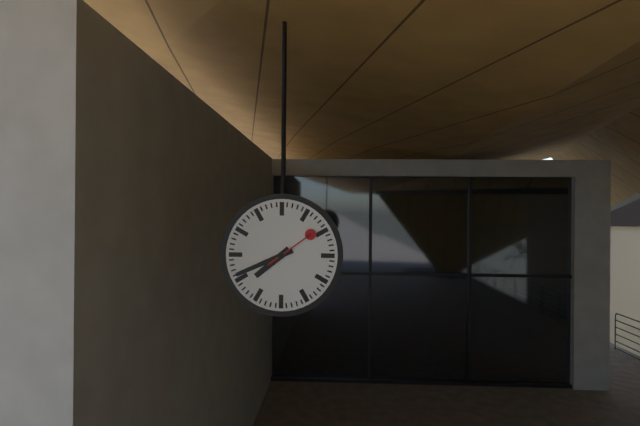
7 h 41 min 09 s
